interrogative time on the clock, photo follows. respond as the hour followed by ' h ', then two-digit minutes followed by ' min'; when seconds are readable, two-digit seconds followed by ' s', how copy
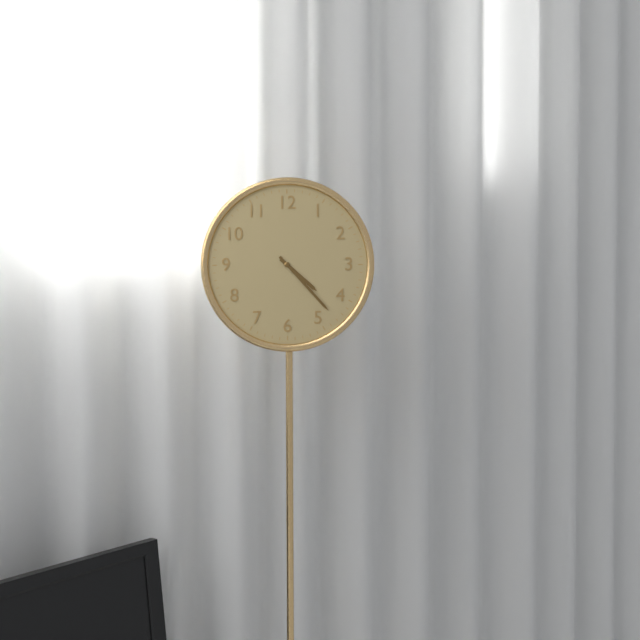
4 h 23 min
